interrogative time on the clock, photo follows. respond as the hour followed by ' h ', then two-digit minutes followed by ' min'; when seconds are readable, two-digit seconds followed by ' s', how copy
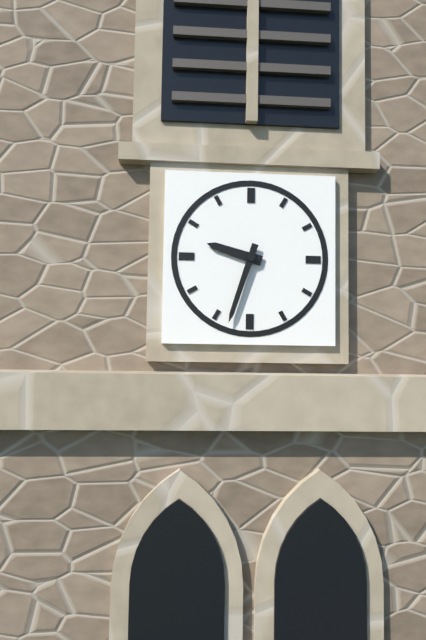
9 h 33 min
